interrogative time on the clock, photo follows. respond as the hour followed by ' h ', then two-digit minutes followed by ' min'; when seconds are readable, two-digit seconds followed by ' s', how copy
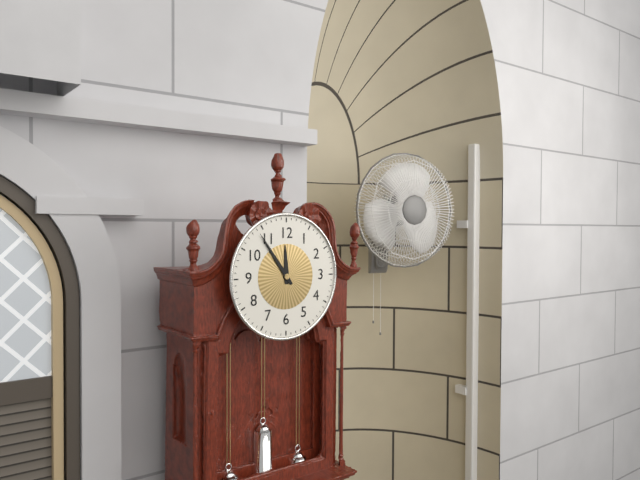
11 h 54 min
